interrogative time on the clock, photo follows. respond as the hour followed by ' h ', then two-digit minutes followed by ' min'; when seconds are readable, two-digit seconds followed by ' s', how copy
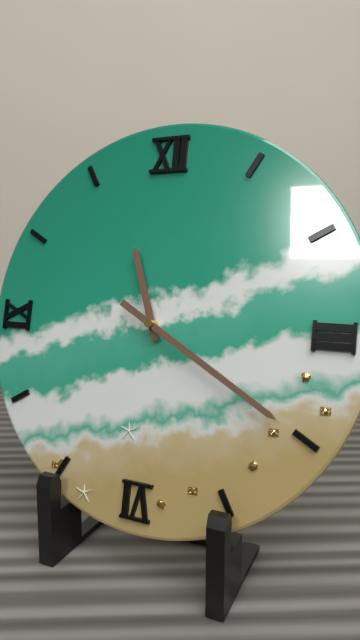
11 h 20 min
